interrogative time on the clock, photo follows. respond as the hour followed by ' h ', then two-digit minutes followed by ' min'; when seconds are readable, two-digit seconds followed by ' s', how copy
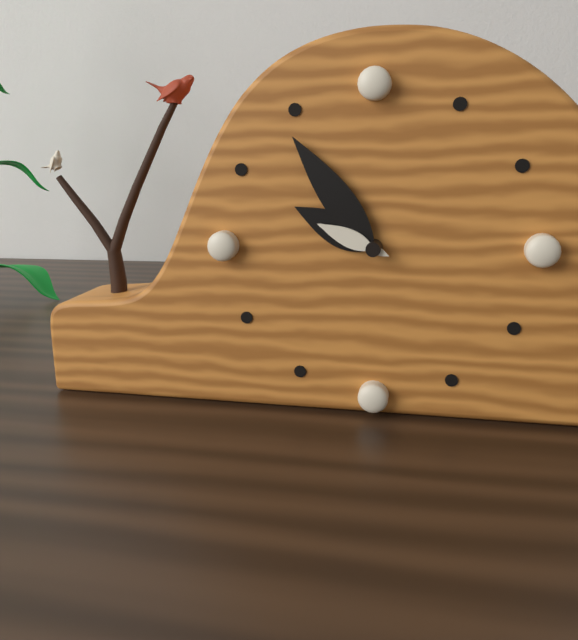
9 h 54 min 49 s
